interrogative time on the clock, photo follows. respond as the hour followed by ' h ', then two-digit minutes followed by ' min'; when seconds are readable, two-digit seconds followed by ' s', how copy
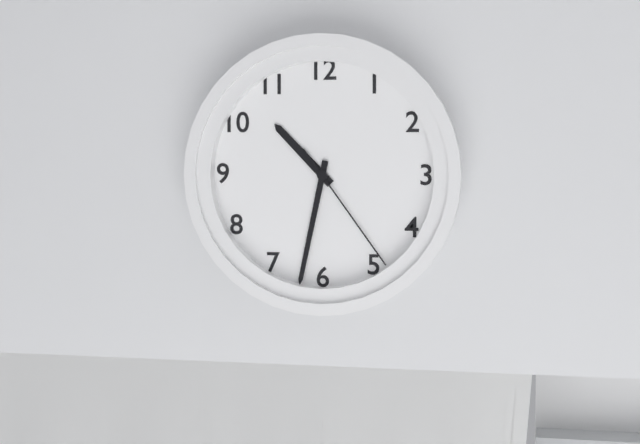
10 h 32 min 24 s
